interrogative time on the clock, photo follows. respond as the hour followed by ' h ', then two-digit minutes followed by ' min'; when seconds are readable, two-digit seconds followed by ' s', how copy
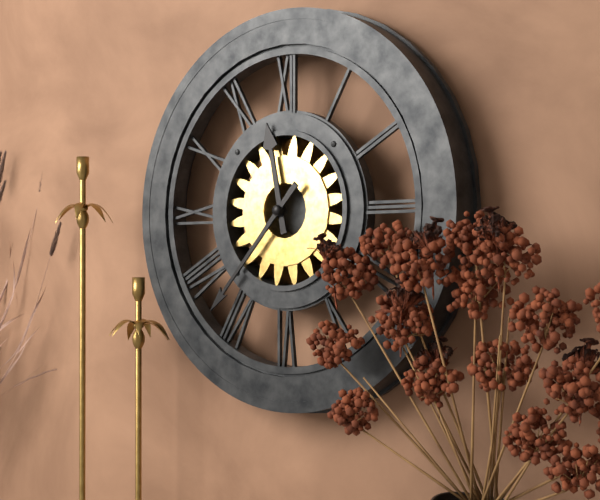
11 h 37 min
